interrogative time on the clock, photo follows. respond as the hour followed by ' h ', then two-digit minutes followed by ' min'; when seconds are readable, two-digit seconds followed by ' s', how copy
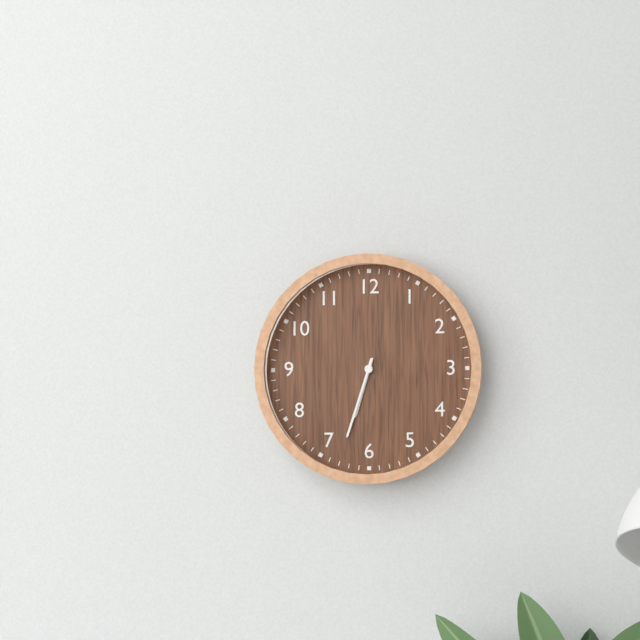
6 h 33 min
